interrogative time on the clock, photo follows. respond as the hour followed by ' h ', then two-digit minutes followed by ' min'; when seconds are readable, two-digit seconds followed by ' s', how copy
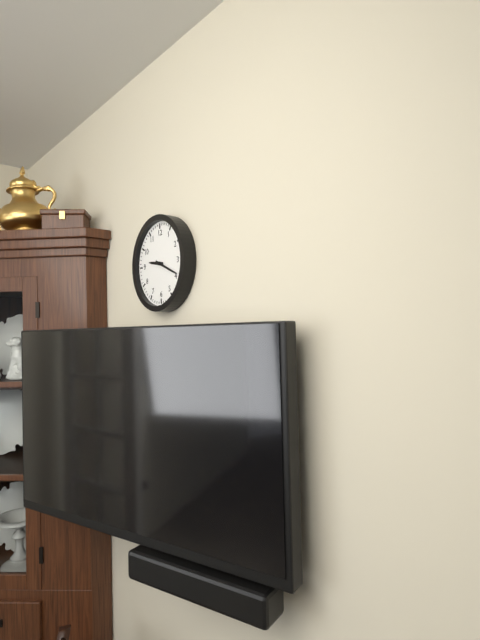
9 h 19 min
